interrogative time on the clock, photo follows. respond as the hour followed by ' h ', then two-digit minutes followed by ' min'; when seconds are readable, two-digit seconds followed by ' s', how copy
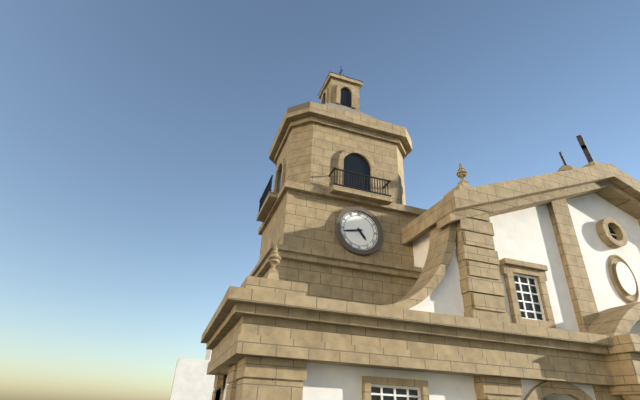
4 h 43 min
